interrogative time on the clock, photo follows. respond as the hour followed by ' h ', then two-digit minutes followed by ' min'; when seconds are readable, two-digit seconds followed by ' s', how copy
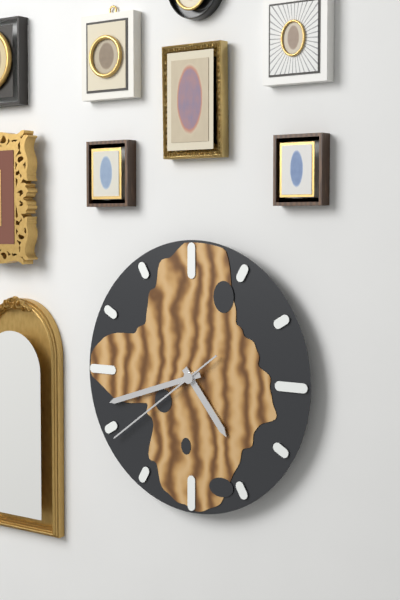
4 h 42 min 39 s
